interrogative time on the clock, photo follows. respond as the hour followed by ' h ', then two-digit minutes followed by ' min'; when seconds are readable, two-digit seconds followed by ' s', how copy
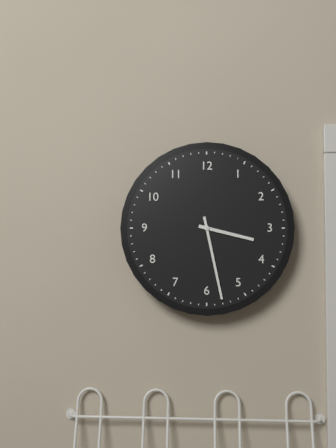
3 h 28 min
